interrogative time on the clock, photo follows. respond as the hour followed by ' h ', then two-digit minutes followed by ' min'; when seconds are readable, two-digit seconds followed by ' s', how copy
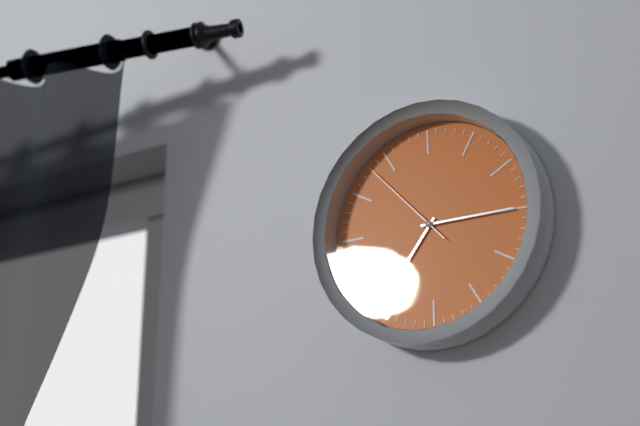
7 h 15 min 53 s
